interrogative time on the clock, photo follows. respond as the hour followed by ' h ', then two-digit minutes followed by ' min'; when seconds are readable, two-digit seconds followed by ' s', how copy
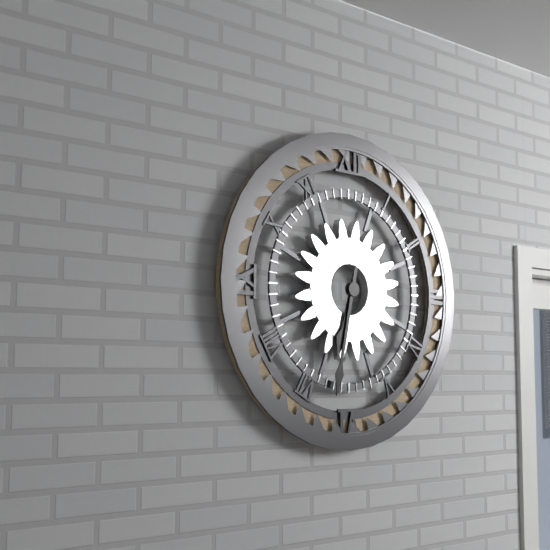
6 h 32 min
